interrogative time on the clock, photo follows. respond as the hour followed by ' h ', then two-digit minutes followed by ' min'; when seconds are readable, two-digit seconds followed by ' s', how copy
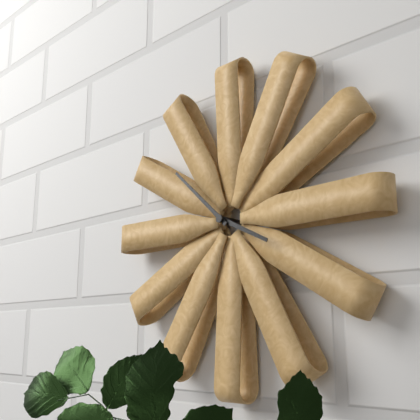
3 h 52 min
